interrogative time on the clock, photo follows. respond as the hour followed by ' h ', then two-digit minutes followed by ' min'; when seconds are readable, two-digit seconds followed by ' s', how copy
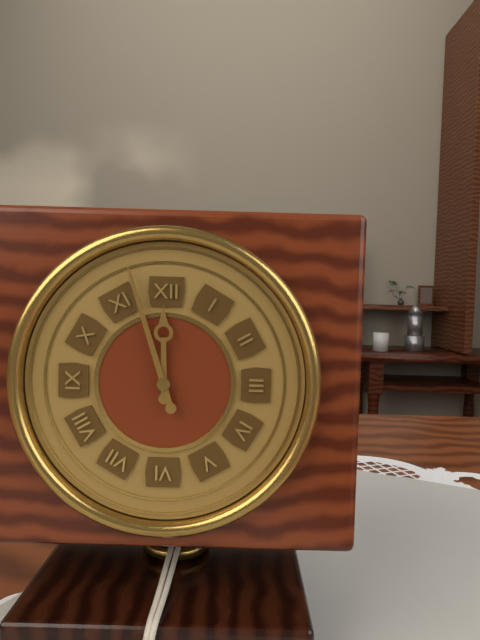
11 h 57 min
